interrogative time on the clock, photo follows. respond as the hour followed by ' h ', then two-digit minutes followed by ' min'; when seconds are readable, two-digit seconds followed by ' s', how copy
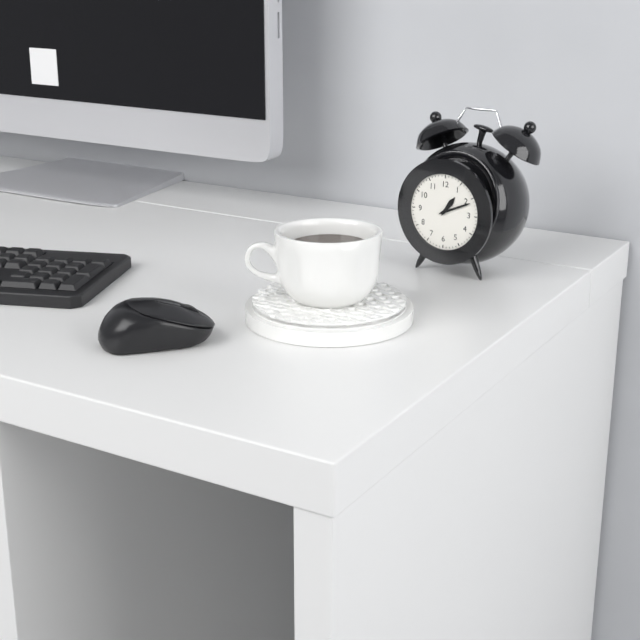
1 h 11 min
